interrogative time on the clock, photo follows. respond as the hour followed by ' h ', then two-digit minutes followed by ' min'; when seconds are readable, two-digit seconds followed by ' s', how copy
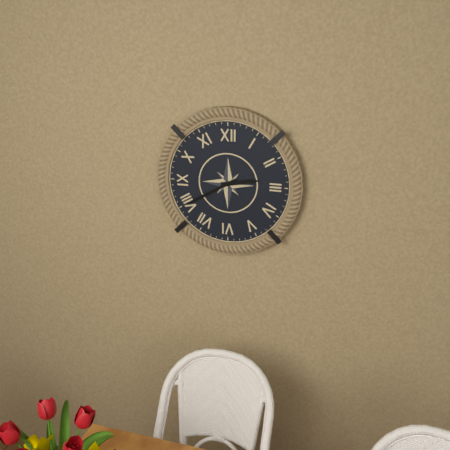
2 h 40 min
